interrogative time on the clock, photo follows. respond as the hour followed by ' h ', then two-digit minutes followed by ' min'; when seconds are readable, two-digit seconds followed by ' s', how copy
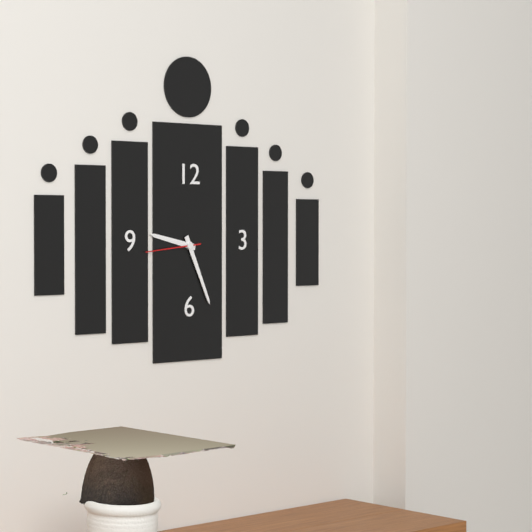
9 h 26 min 44 s
